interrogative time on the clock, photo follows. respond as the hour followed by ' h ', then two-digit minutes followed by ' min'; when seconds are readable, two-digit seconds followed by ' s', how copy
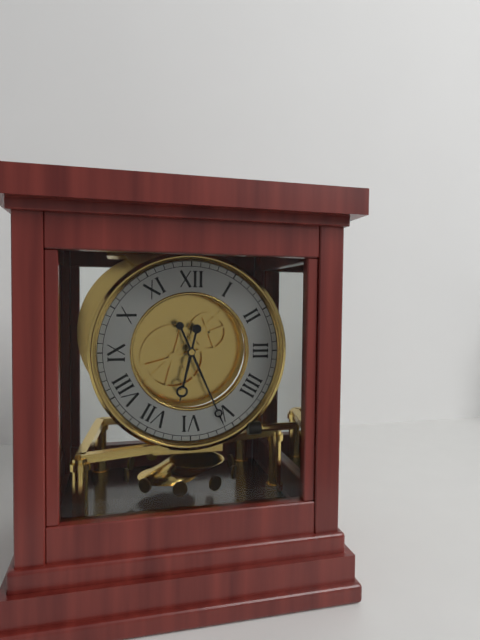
6 h 26 min
